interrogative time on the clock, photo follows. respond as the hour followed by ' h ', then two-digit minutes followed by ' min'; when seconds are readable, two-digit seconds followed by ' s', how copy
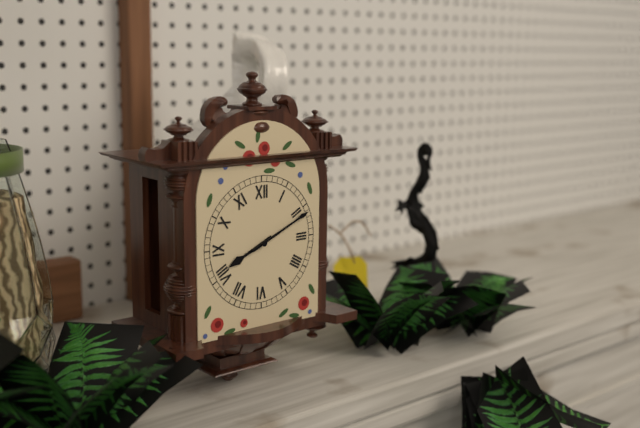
8 h 11 min
